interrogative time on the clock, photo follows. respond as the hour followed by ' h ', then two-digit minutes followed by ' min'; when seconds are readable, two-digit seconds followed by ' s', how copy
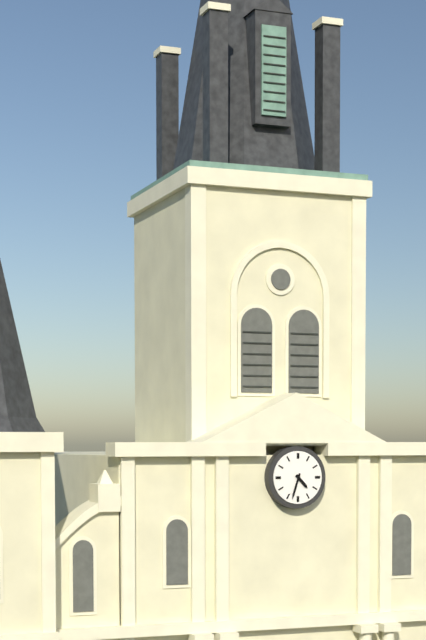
4 h 33 min
